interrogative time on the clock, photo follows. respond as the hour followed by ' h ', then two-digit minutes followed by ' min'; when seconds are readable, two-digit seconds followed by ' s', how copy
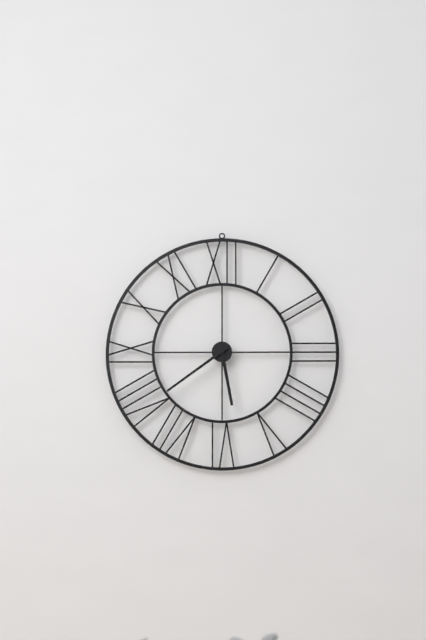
5 h 39 min
